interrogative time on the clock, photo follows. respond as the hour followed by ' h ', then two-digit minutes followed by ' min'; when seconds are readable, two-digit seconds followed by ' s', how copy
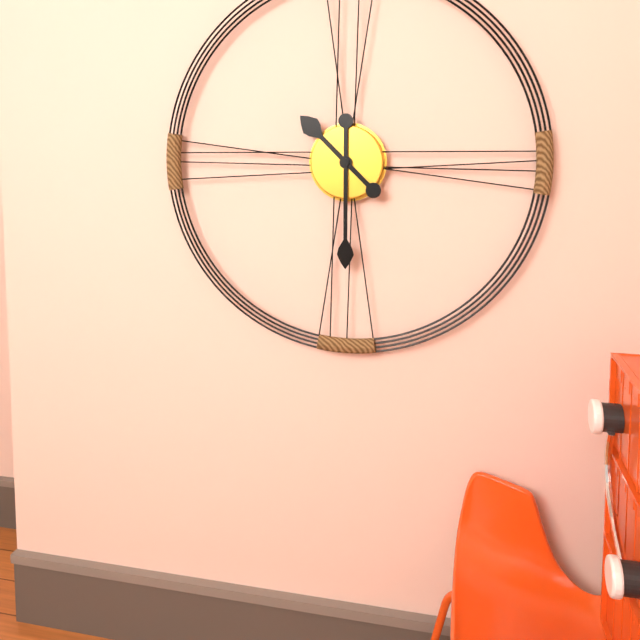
10 h 30 min
